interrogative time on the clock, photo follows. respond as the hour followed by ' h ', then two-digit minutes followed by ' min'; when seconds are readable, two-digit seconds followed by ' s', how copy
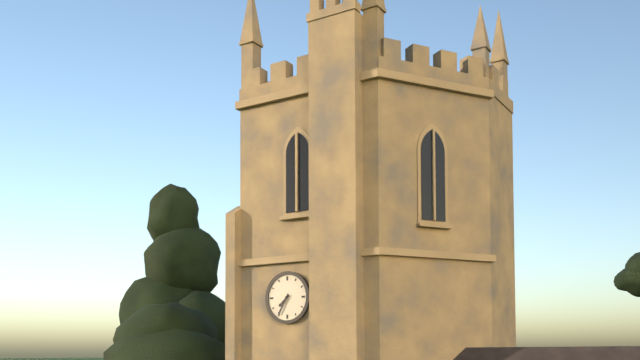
7 h 35 min
